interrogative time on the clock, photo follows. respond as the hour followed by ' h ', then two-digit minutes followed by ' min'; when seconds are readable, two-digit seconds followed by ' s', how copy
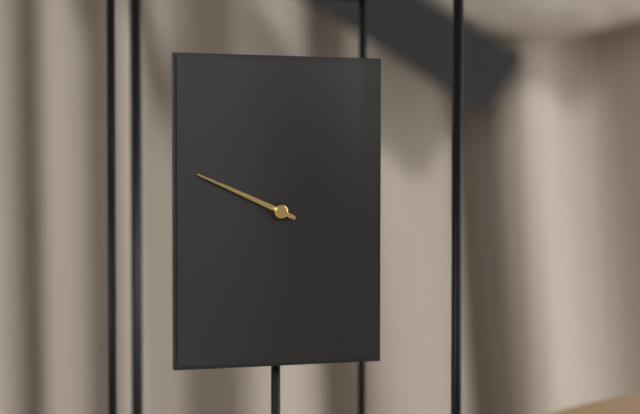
9 h 49 min
